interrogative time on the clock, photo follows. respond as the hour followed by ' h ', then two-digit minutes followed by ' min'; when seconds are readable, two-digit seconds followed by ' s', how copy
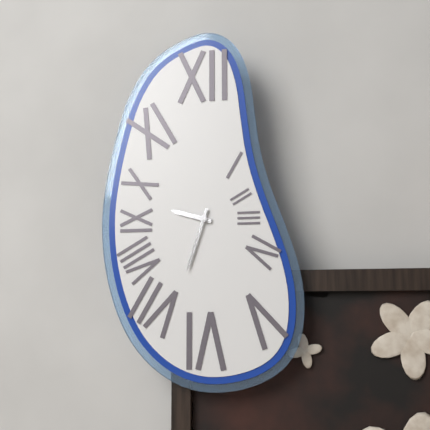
9 h 33 min
